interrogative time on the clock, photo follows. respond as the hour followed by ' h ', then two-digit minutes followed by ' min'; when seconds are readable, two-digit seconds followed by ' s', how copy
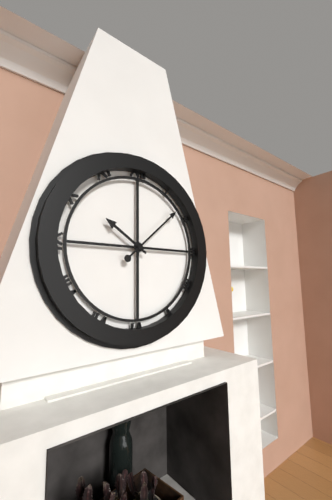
10 h 08 min
